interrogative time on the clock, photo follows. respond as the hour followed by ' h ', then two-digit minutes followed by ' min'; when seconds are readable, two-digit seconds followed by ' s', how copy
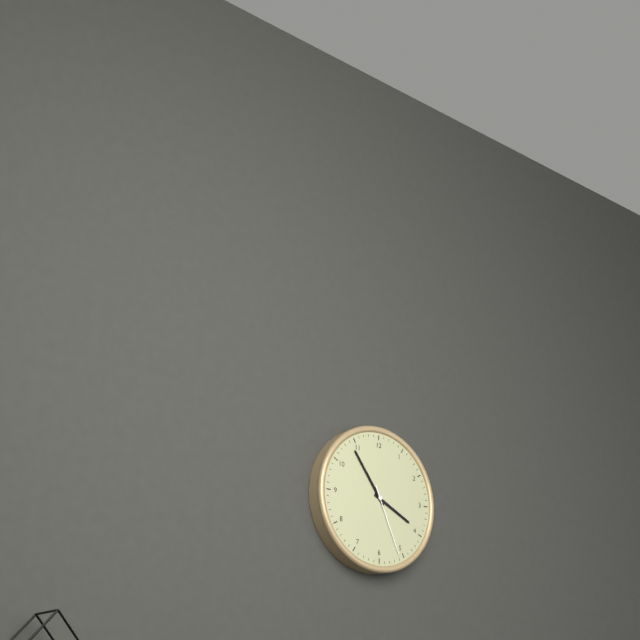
3 h 54 min 26 s
